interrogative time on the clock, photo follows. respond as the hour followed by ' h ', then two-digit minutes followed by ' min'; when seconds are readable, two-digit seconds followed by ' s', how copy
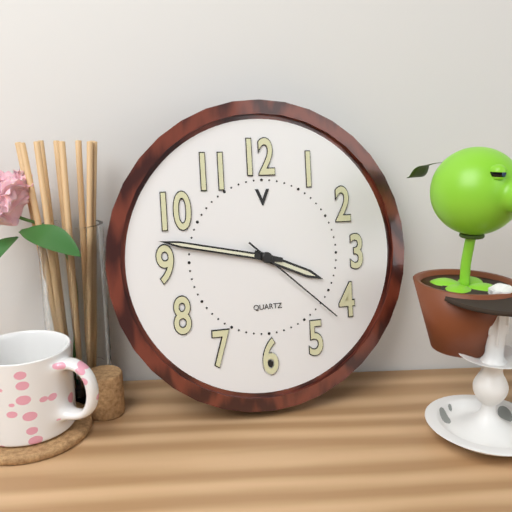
3 h 47 min 22 s
